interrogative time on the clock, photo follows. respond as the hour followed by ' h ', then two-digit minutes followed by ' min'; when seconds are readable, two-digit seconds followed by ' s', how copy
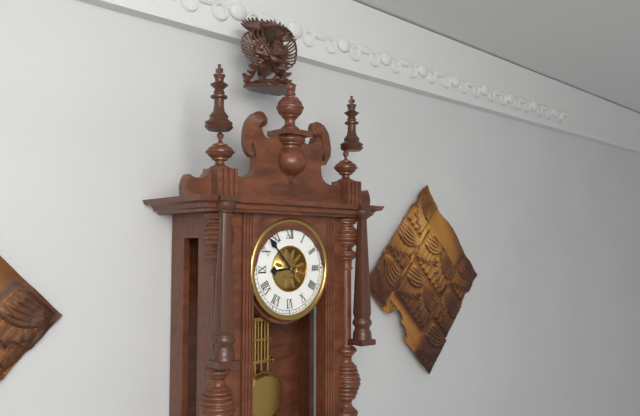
8 h 53 min
